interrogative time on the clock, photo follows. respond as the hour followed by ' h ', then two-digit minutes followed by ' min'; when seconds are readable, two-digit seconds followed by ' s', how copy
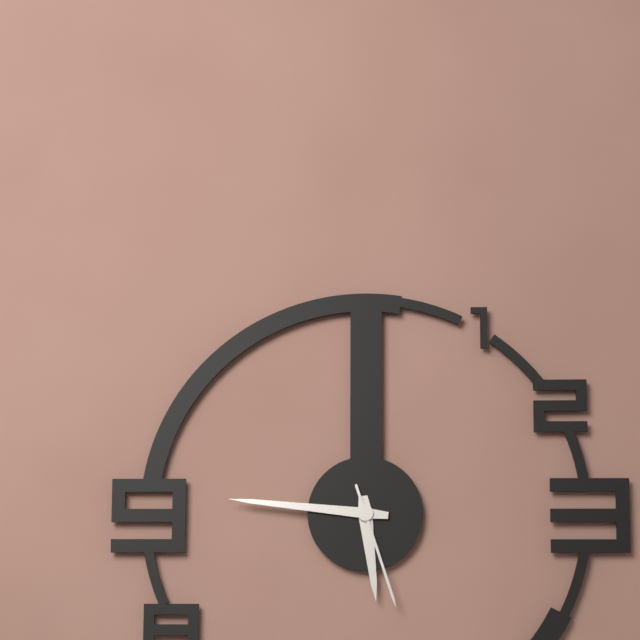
5 h 46 min 27 s
